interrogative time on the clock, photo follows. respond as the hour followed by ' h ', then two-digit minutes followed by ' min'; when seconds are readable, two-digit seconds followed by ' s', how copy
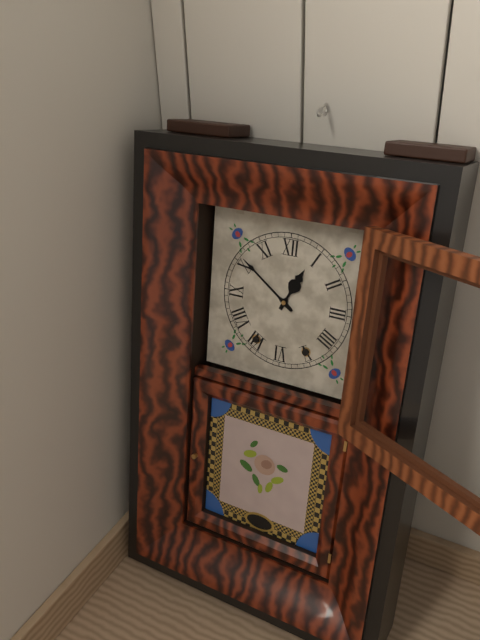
12 h 51 min
